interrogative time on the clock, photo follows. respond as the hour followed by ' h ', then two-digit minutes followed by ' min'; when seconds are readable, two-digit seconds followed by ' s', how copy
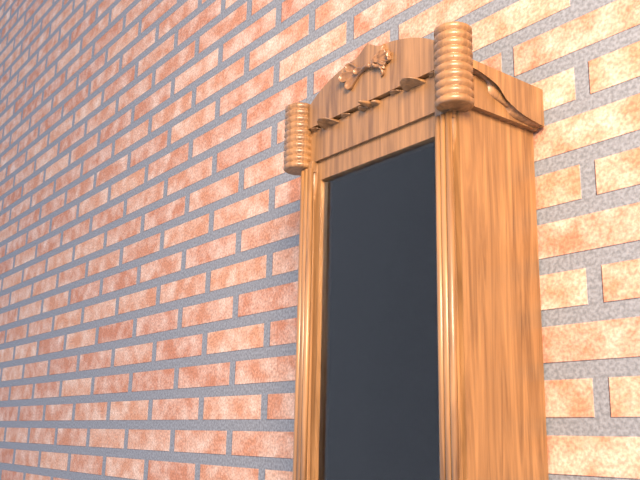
10 h 02 min
